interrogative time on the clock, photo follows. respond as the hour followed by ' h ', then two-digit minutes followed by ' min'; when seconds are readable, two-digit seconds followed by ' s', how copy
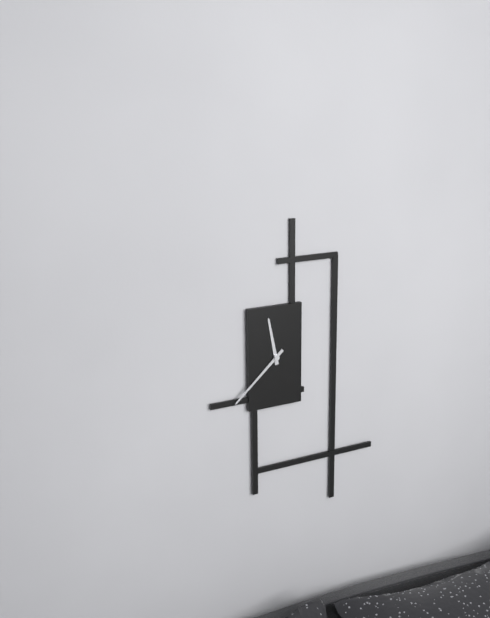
11 h 38 min
